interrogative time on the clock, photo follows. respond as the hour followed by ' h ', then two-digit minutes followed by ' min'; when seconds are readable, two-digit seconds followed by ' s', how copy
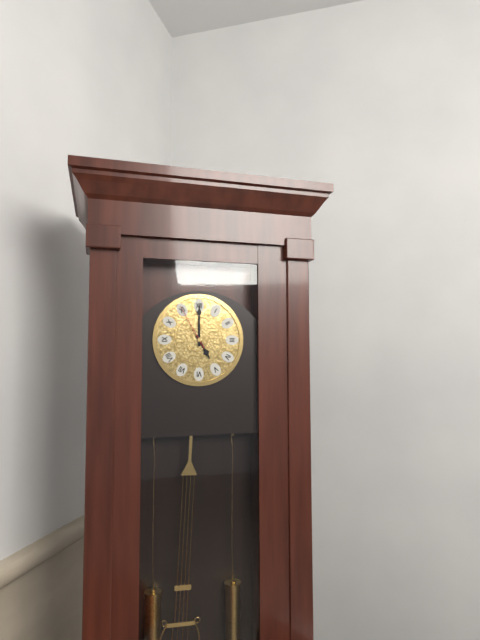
5 h 00 min
